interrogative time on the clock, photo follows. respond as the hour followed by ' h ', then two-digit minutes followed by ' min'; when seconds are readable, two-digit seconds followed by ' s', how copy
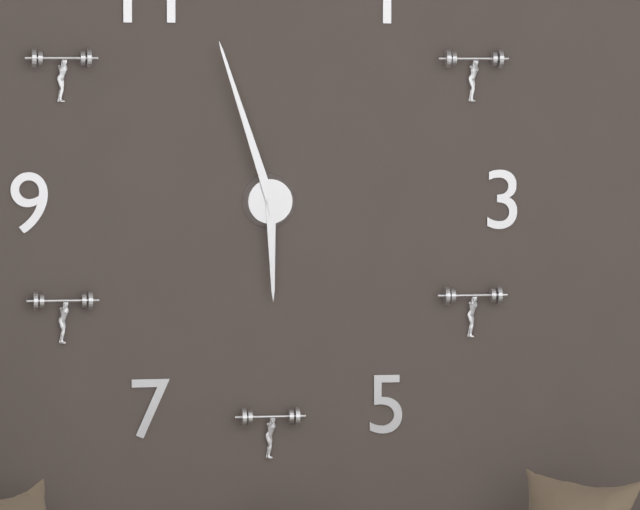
5 h 57 min
